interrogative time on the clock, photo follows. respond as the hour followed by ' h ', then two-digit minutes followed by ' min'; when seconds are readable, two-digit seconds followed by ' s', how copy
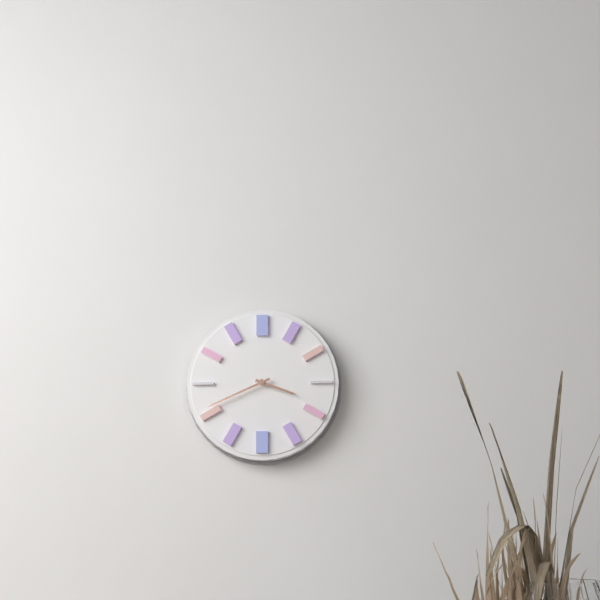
3 h 41 min
